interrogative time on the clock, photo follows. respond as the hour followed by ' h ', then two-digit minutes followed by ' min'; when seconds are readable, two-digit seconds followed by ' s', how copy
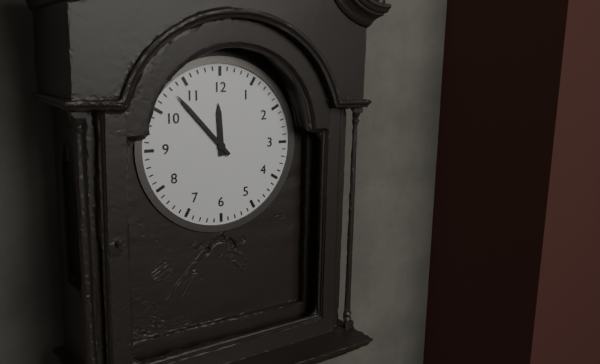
11 h 53 min
